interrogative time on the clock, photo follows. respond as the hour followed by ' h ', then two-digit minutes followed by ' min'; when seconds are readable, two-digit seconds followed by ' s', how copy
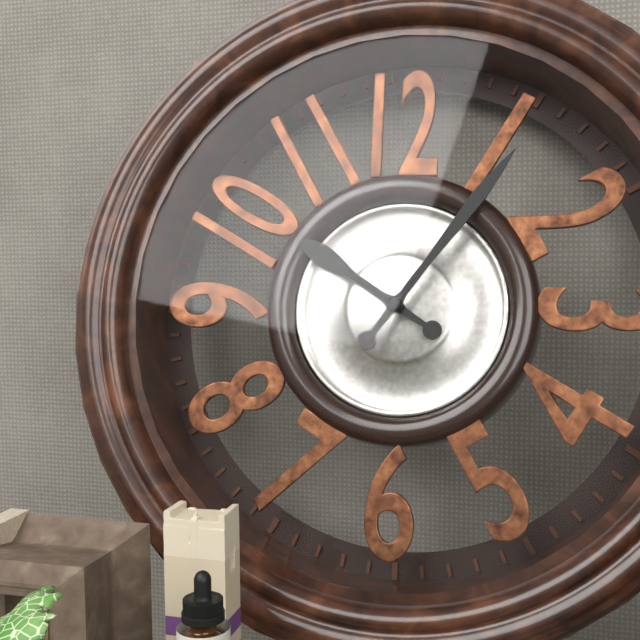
10 h 06 min
